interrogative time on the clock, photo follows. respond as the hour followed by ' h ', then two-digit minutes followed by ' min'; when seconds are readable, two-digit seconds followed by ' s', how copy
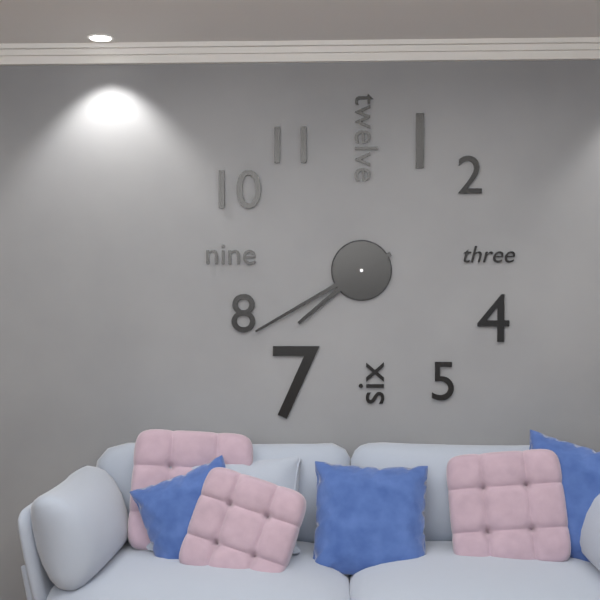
7 h 40 min
